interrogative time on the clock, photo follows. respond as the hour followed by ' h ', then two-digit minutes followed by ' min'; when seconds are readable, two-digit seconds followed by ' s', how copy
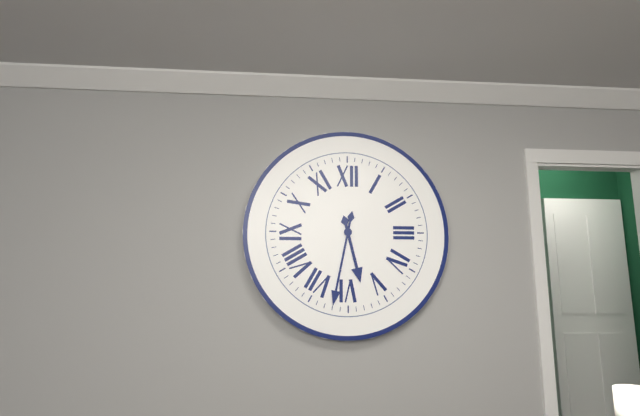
5 h 32 min
